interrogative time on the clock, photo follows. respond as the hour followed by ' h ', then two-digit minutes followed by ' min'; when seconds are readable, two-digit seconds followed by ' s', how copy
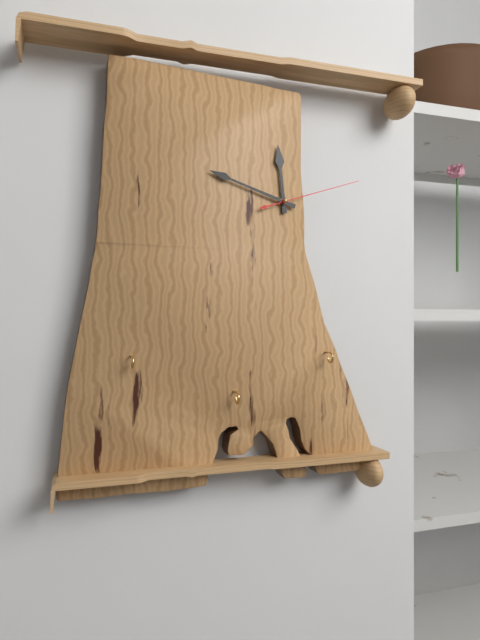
11 h 48 min 12 s
